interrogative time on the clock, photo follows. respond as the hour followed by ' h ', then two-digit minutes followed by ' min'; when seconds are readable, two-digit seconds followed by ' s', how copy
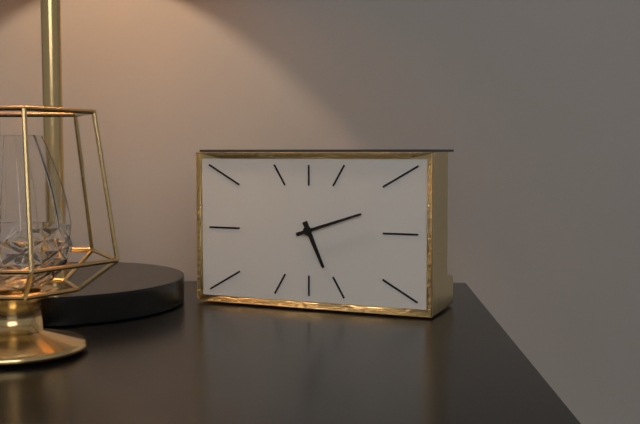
5 h 12 min
